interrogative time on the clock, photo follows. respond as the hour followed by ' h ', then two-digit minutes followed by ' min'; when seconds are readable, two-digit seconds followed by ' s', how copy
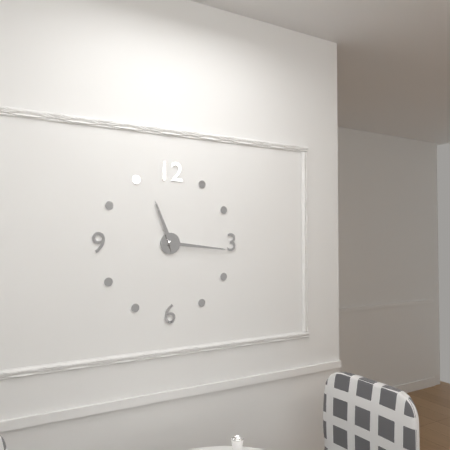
11 h 16 min
